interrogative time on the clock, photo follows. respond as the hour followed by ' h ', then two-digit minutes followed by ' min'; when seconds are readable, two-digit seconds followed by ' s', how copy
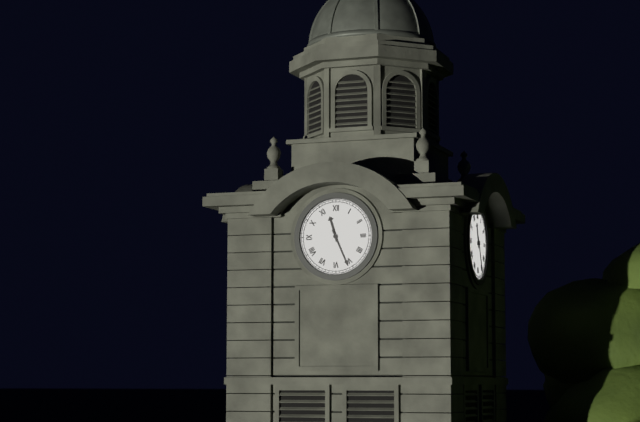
11 h 26 min
